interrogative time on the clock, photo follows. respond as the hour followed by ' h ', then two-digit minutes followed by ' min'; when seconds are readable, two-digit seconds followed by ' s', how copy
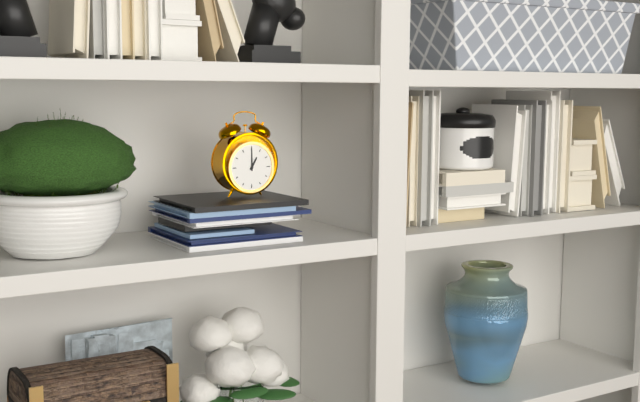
1 h 00 min
